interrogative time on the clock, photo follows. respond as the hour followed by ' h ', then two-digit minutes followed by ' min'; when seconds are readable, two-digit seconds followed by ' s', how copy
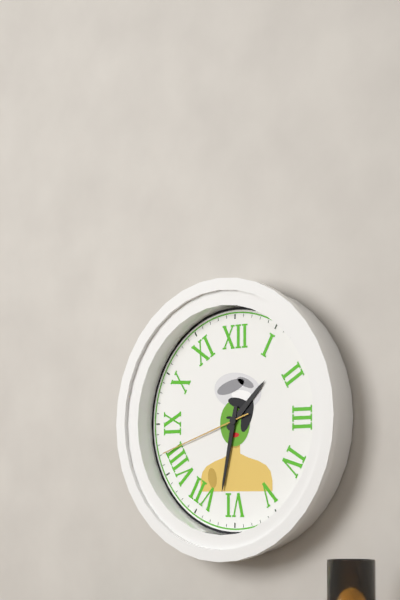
1 h 32 min 42 s
